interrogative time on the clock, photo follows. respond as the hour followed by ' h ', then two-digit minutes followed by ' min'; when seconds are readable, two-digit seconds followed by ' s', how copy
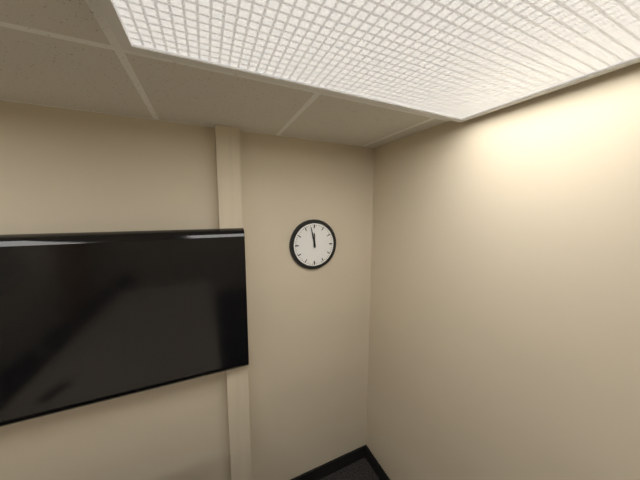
11 h 58 min
